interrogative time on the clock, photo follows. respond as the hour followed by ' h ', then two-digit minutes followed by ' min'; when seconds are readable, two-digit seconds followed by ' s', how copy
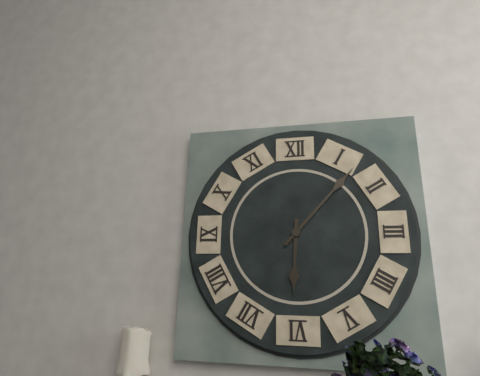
6 h 07 min
